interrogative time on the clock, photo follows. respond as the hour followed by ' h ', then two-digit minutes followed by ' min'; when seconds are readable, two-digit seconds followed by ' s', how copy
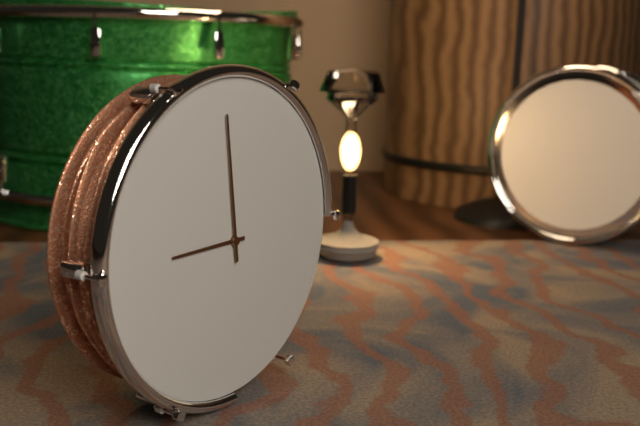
8 h 59 min
